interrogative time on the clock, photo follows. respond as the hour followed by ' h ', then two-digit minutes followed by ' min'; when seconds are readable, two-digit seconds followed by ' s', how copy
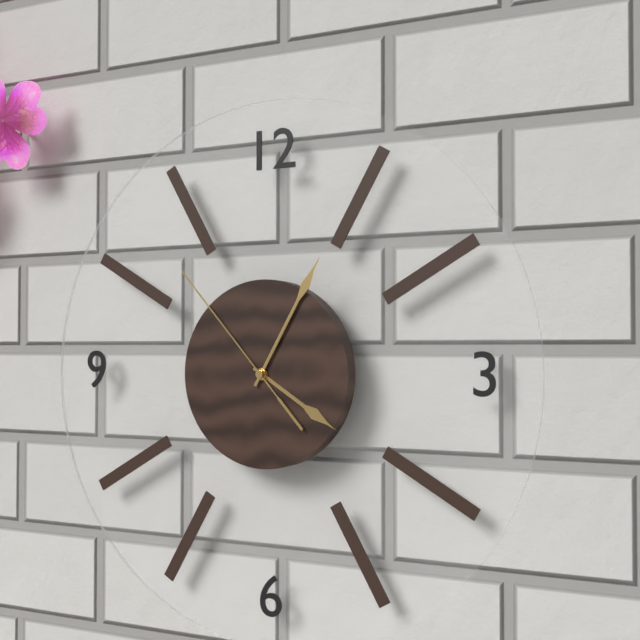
4 h 05 min 53 s
